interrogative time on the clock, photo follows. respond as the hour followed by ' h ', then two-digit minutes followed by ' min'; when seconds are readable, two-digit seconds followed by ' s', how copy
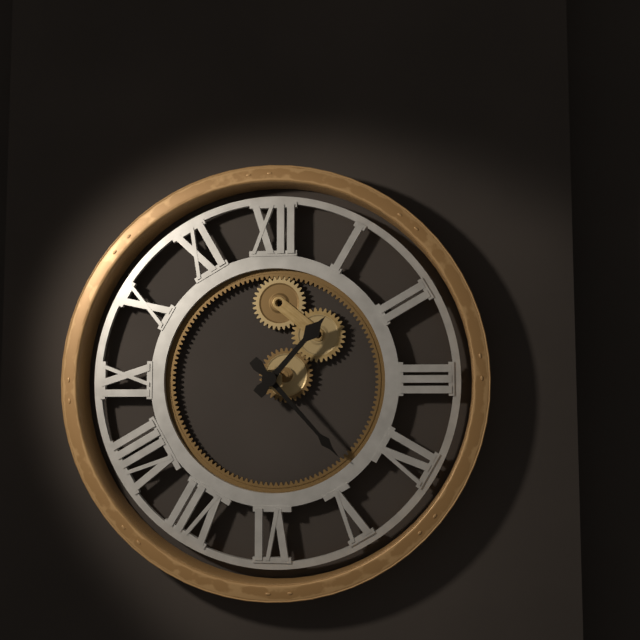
1 h 23 min
